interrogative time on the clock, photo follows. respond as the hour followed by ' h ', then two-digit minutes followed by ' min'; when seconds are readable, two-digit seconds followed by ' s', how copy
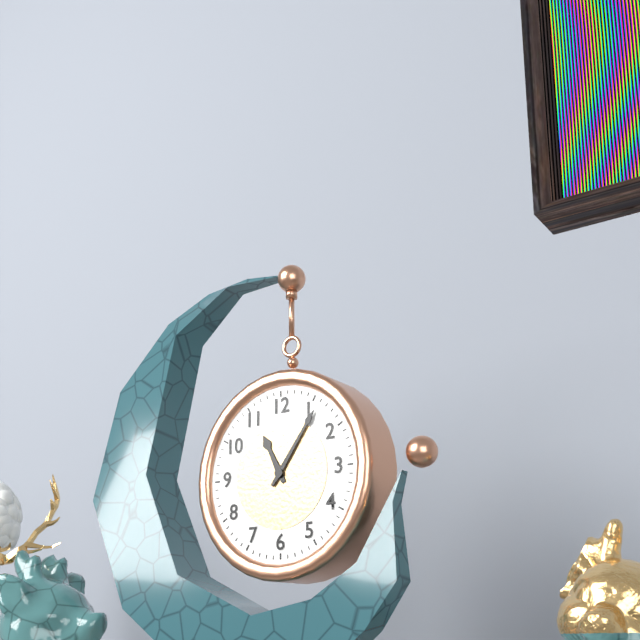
11 h 06 min
